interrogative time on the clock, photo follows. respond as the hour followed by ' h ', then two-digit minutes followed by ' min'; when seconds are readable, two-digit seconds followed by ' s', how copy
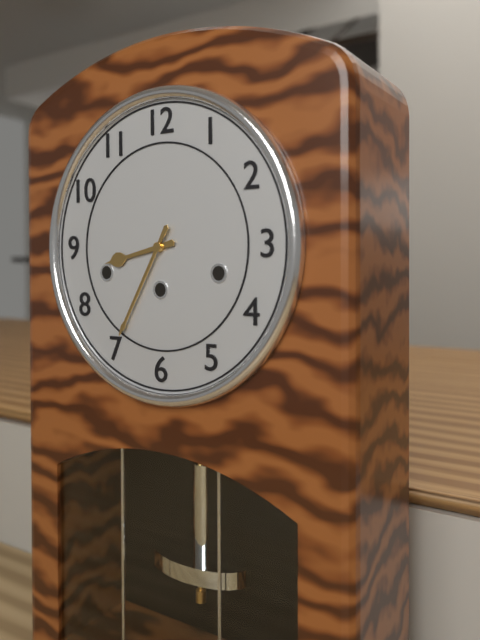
8 h 35 min
